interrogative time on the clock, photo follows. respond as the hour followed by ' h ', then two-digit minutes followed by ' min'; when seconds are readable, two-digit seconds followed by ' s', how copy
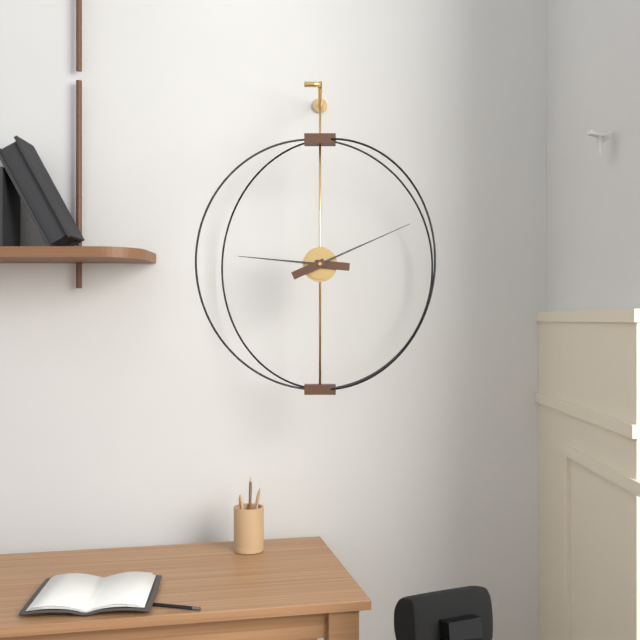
9 h 11 min
